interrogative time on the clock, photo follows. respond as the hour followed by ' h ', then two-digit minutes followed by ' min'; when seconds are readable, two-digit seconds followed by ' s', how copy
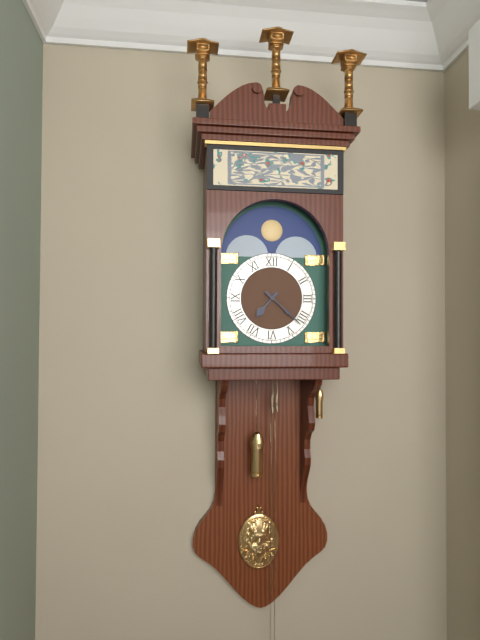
7 h 22 min
